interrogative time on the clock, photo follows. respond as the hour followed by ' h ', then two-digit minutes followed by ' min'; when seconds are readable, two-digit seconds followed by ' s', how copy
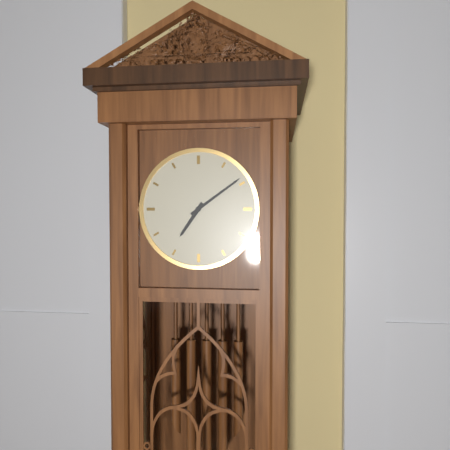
7 h 09 min
